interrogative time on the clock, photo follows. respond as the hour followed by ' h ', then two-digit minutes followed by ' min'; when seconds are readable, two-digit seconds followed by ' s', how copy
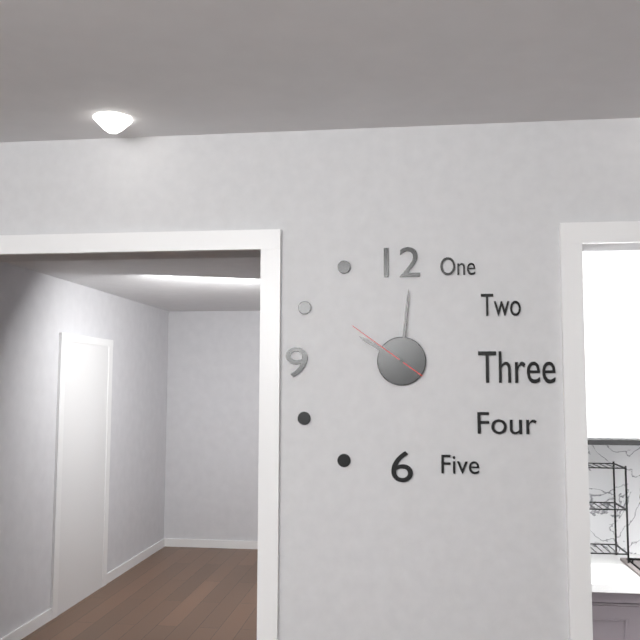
10 h 01 min 51 s
